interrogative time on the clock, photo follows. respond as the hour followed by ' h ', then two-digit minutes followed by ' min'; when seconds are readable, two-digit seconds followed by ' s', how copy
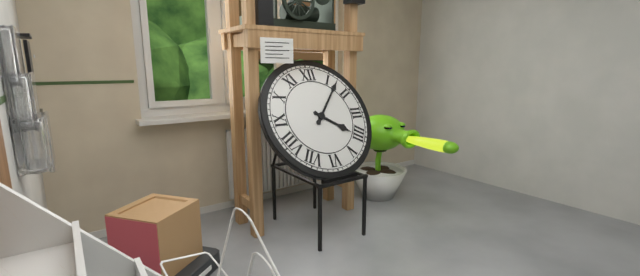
4 h 07 min
